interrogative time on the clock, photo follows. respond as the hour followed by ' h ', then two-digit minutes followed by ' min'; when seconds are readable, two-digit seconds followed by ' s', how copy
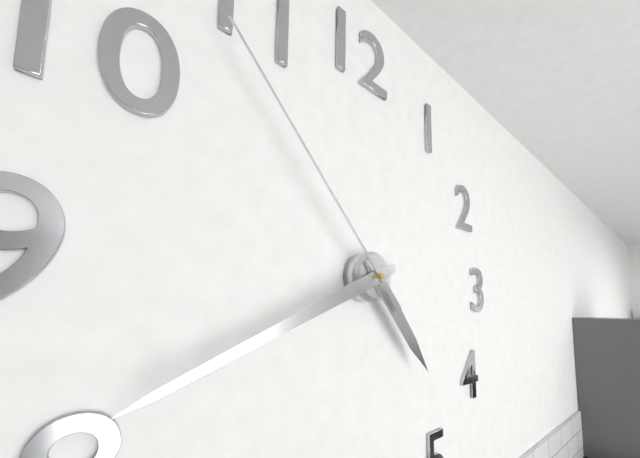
4 h 41 min 53 s
